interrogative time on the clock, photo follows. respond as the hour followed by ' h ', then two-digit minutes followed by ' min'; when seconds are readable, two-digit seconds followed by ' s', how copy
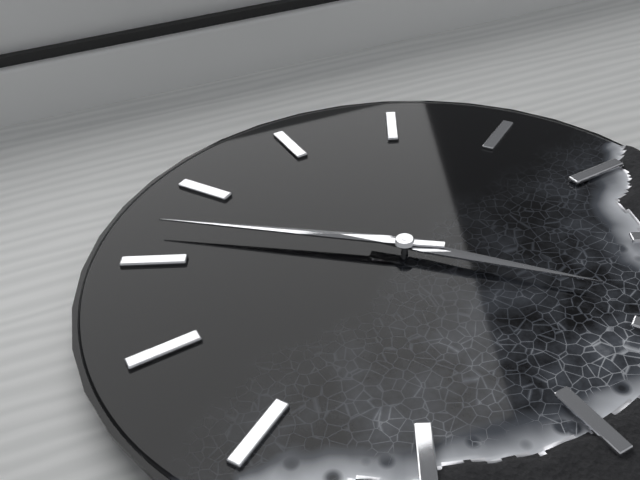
2 h 42 min
